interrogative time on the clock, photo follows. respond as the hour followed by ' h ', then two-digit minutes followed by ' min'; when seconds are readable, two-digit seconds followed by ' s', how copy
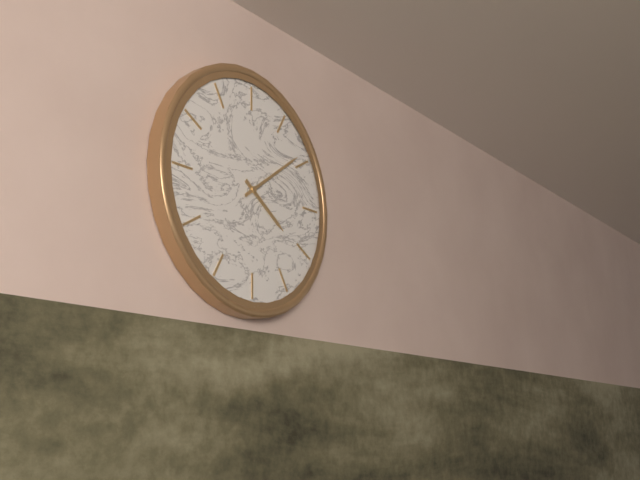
4 h 09 min
